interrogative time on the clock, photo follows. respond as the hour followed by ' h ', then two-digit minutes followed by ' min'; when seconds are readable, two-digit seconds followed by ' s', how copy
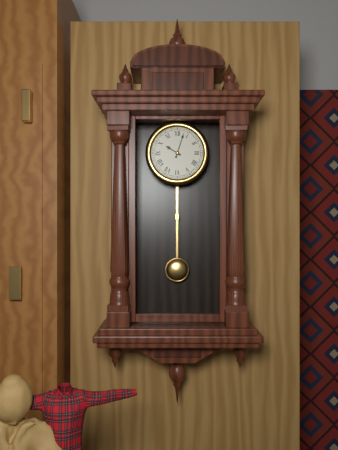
10 h 03 min
